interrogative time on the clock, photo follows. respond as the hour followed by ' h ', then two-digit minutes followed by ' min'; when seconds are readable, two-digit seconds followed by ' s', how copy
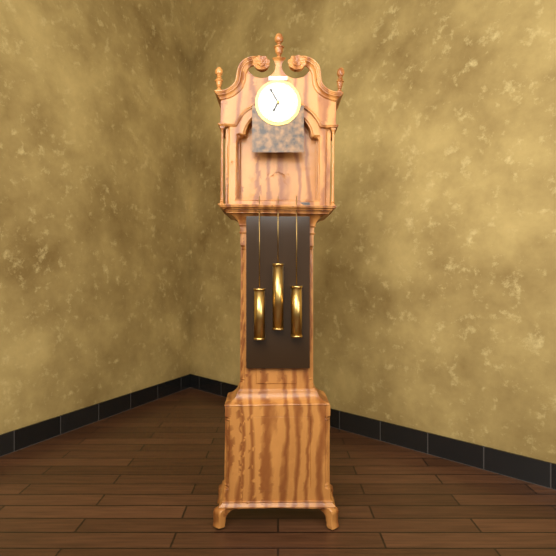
6 h 55 min
